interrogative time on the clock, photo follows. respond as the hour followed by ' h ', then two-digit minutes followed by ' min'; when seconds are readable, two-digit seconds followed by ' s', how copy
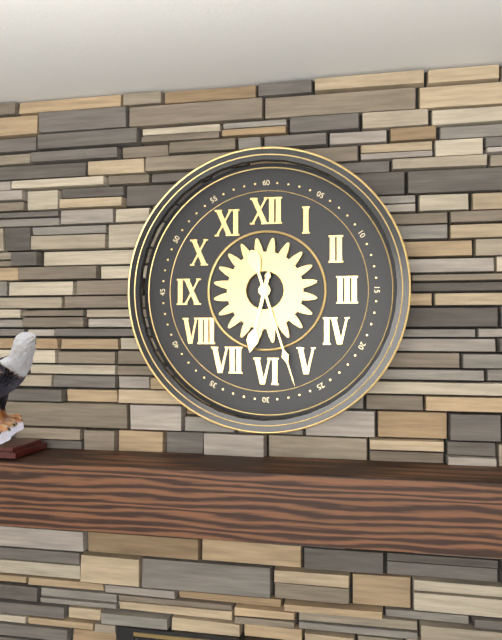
6 h 27 min
